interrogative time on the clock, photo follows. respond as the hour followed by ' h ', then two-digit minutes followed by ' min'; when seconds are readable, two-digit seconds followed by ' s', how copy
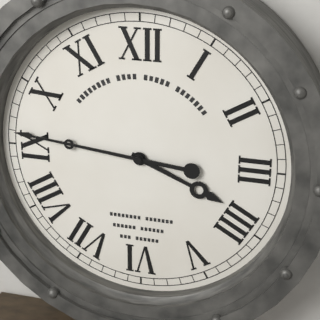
3 h 46 min
